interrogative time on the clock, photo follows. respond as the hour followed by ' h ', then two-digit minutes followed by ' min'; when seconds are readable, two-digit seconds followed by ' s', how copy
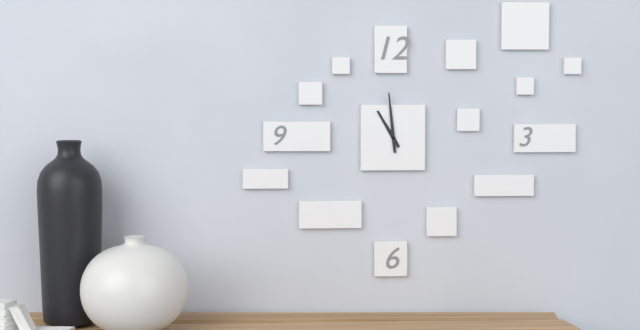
10 h 59 min
